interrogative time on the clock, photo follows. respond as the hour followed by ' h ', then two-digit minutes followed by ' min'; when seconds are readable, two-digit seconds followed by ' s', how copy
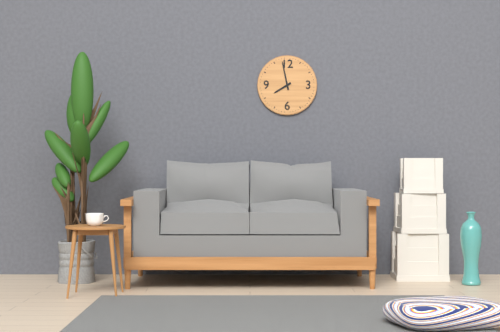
7 h 58 min
